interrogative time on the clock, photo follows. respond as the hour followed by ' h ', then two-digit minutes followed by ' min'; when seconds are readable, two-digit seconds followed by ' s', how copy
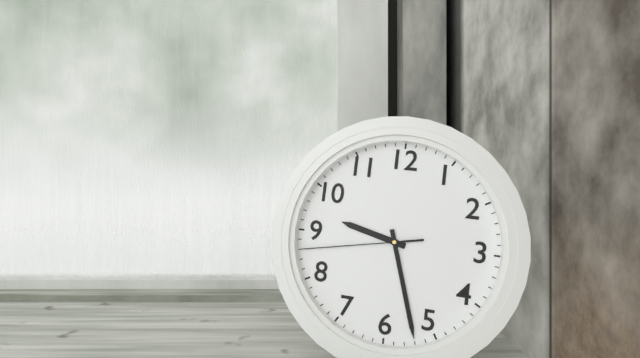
9 h 27 min 43 s
